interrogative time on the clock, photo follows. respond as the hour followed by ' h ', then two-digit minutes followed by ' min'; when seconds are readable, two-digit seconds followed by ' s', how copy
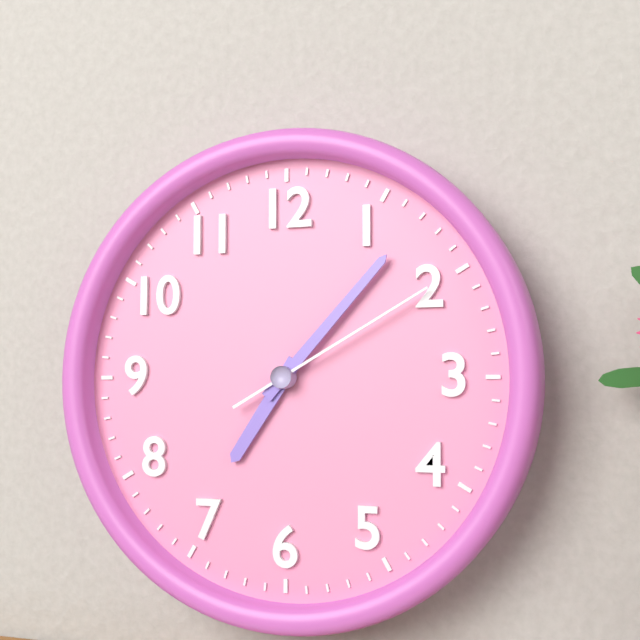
7 h 07 min 10 s
